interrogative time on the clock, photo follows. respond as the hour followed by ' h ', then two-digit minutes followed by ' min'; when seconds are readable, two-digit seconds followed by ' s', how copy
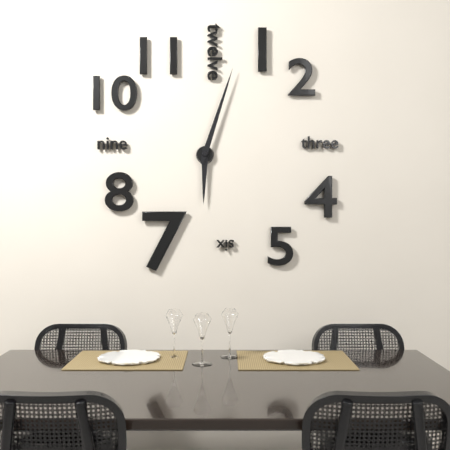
6 h 03 min
